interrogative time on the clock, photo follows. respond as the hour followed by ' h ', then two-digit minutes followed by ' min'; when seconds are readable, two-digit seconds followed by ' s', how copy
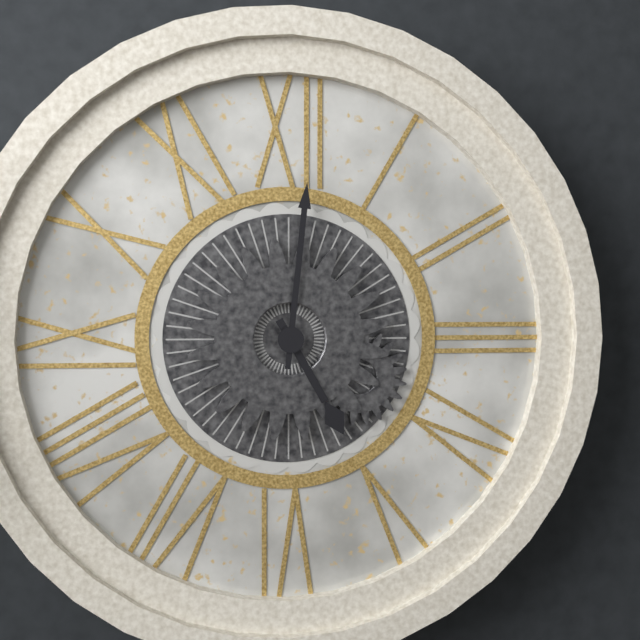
5 h 01 min
